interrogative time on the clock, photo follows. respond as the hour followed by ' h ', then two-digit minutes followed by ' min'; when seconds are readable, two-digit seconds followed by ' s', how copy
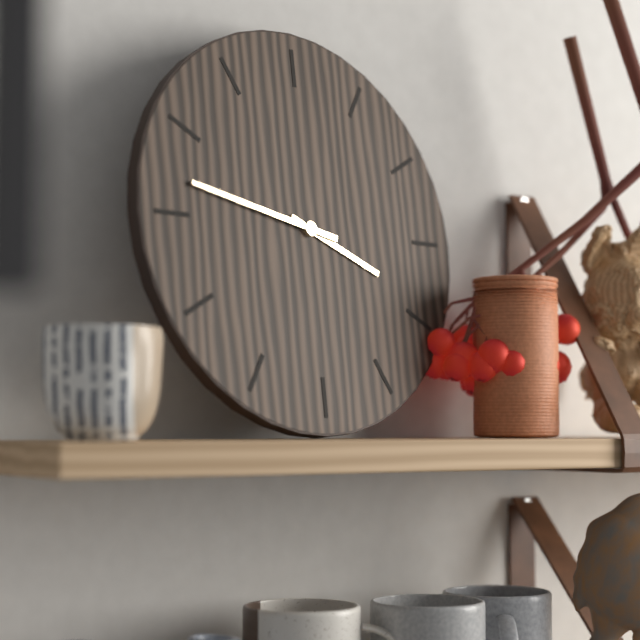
3 h 47 min
